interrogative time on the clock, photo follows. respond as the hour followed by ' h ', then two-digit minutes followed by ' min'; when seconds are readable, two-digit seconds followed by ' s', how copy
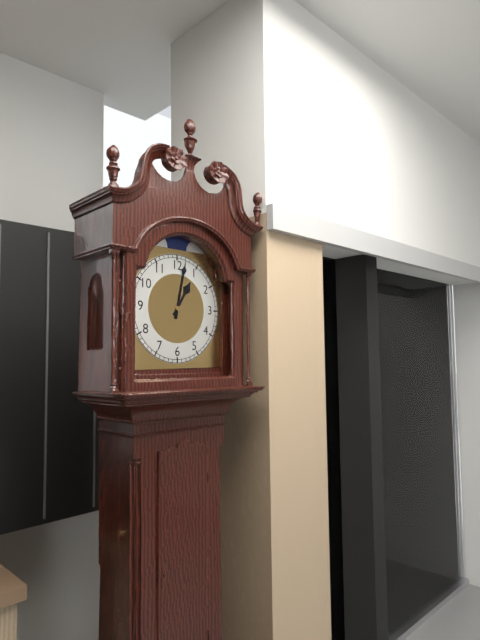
1 h 02 min
